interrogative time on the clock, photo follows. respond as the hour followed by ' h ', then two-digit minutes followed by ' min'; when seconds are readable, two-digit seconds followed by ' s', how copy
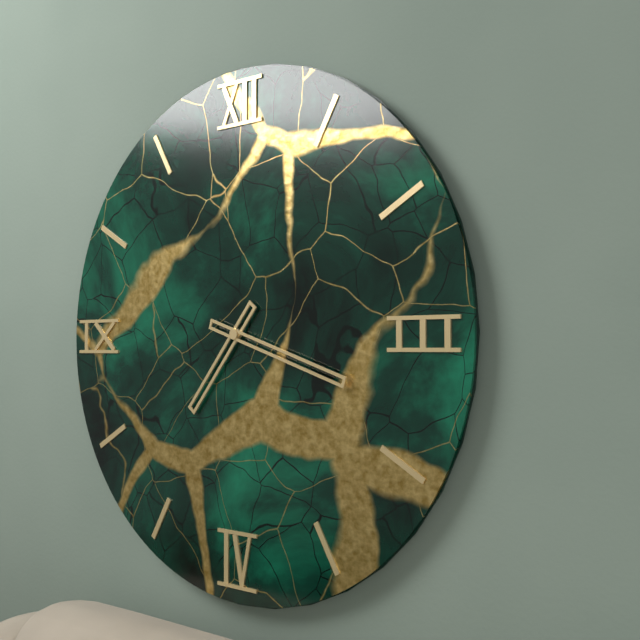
7 h 18 min
